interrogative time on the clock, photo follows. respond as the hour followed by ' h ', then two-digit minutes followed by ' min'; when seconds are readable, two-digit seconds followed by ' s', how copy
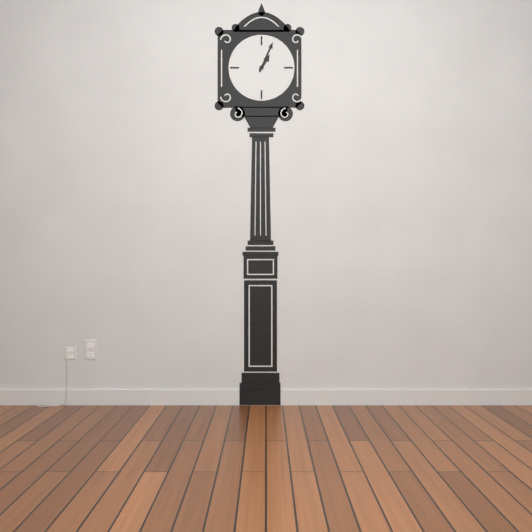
1 h 04 min
